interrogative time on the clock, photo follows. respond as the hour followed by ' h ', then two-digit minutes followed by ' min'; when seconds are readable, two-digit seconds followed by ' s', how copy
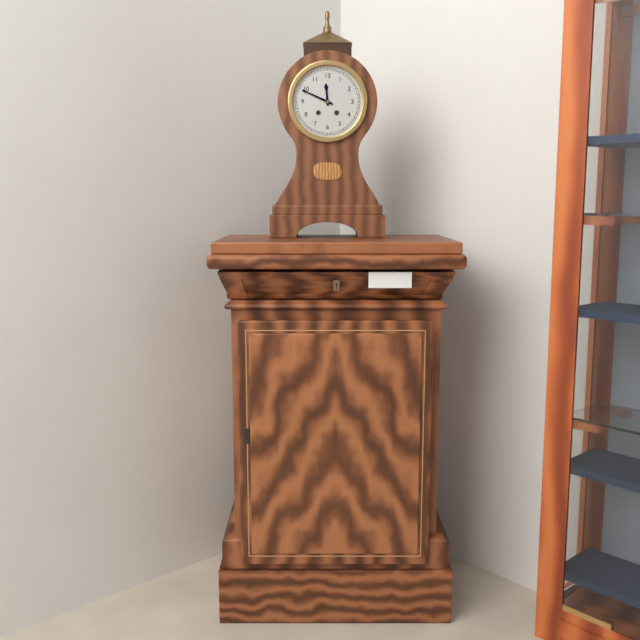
11 h 49 min
